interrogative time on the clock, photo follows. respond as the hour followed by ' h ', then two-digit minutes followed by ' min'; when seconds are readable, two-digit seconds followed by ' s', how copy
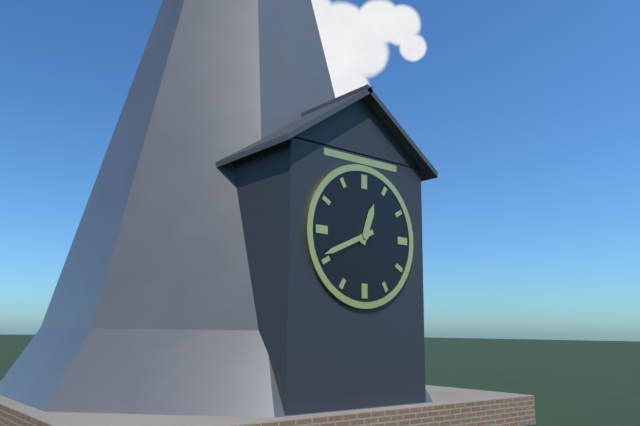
12 h 41 min
